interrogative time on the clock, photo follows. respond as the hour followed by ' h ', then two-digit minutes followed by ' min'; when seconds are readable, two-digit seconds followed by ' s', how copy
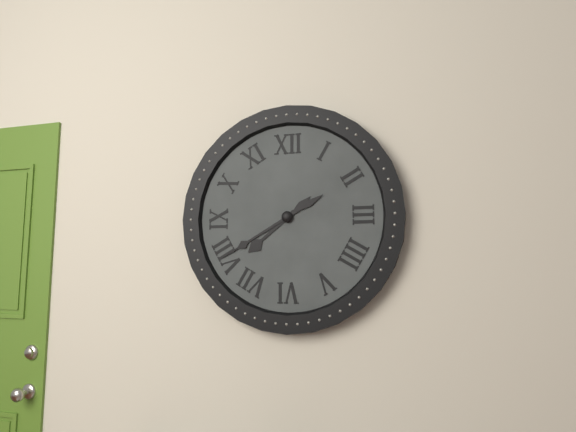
7 h 40 min
